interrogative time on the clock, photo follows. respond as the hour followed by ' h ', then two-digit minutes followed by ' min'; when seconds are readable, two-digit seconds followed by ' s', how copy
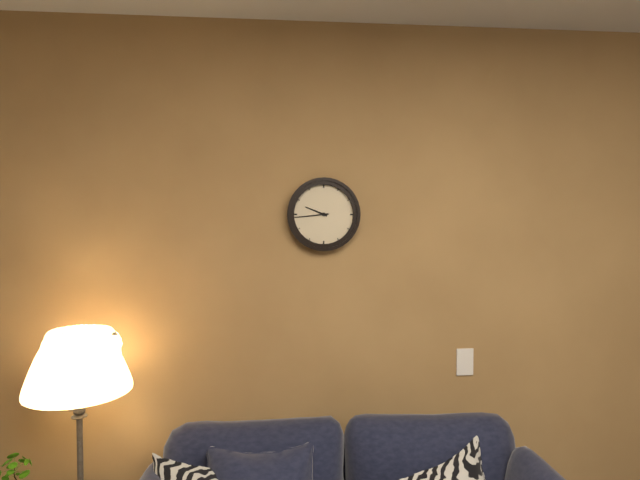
9 h 44 min
